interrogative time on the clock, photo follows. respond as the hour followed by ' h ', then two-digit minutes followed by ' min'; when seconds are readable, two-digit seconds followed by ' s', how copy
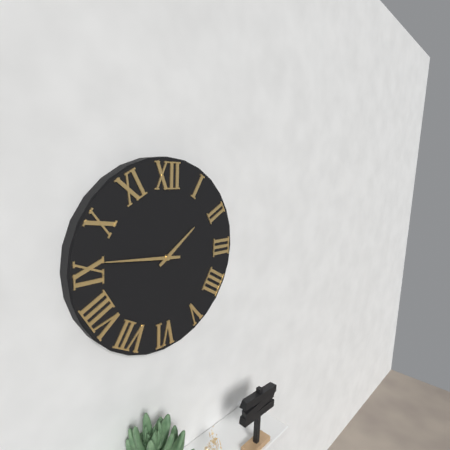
1 h 46 min
